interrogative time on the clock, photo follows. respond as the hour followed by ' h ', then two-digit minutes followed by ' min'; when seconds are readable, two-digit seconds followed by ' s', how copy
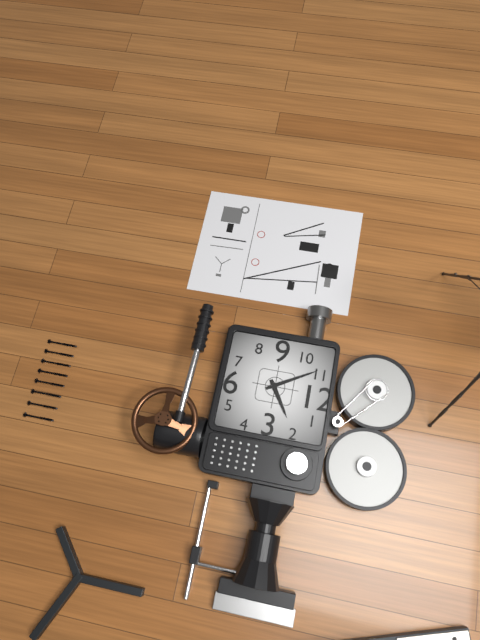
1 h 55 min
